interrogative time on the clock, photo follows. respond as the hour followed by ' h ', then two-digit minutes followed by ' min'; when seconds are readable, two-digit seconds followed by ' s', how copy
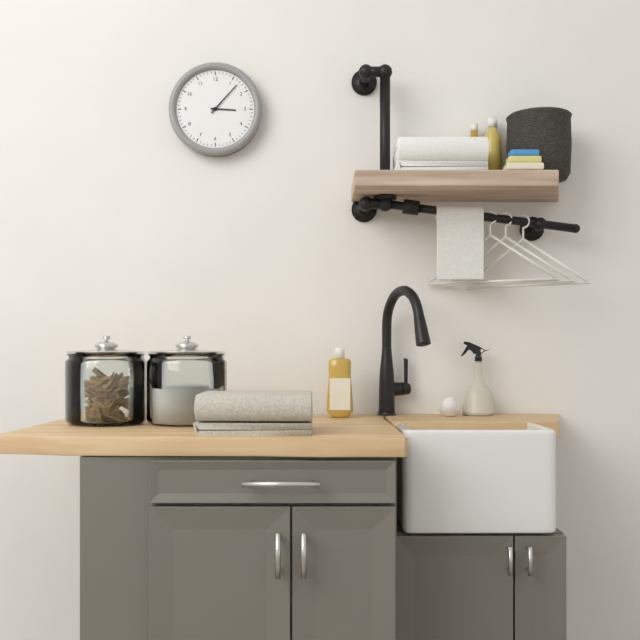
3 h 07 min
